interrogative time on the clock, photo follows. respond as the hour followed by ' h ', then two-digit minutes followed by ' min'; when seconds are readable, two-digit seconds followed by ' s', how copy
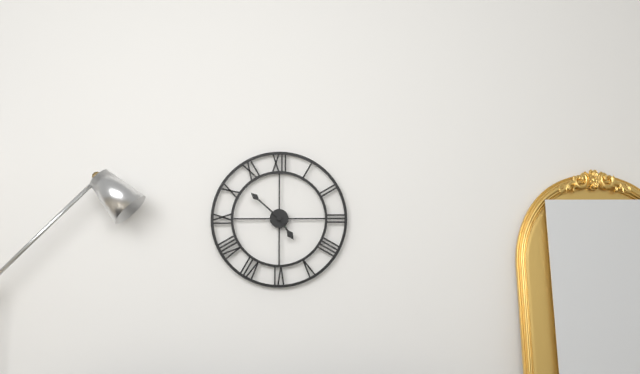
4 h 52 min
